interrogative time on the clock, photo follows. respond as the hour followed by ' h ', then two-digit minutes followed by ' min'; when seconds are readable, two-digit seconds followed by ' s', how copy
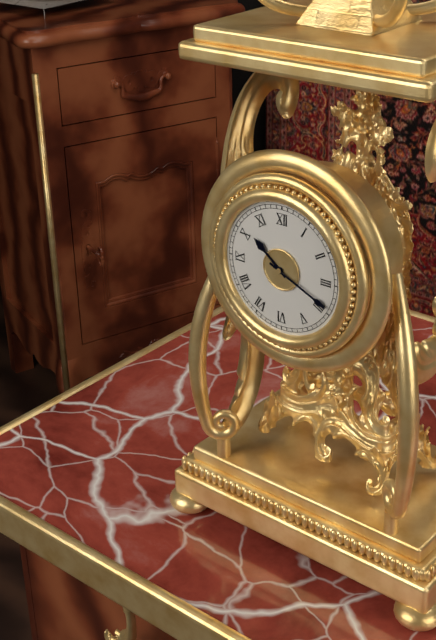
10 h 19 min
